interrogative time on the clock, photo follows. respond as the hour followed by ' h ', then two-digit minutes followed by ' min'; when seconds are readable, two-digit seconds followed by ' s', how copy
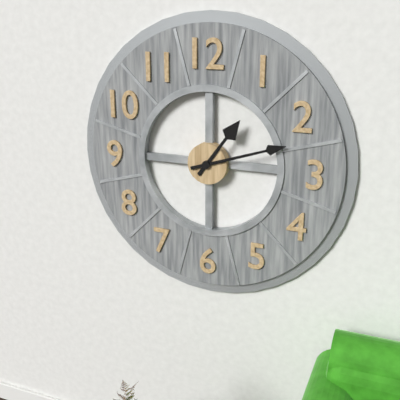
1 h 12 min
